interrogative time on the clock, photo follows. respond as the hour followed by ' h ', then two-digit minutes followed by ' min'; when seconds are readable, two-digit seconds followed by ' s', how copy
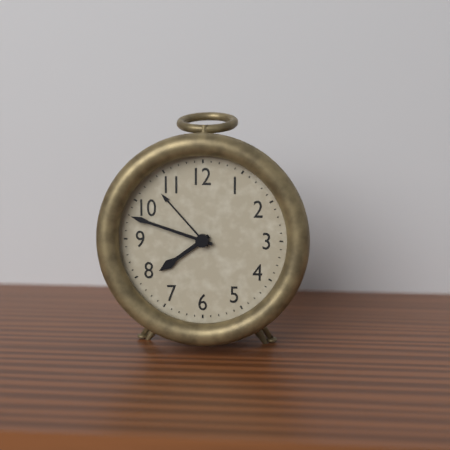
7 h 48 min
